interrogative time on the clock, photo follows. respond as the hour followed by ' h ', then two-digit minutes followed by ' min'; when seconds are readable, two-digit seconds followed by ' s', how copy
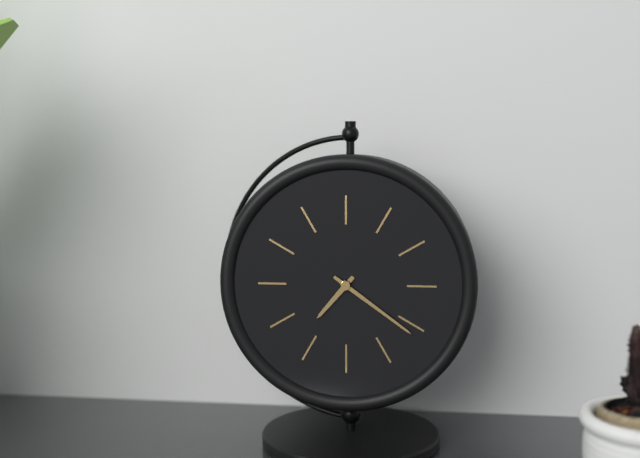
7 h 21 min
